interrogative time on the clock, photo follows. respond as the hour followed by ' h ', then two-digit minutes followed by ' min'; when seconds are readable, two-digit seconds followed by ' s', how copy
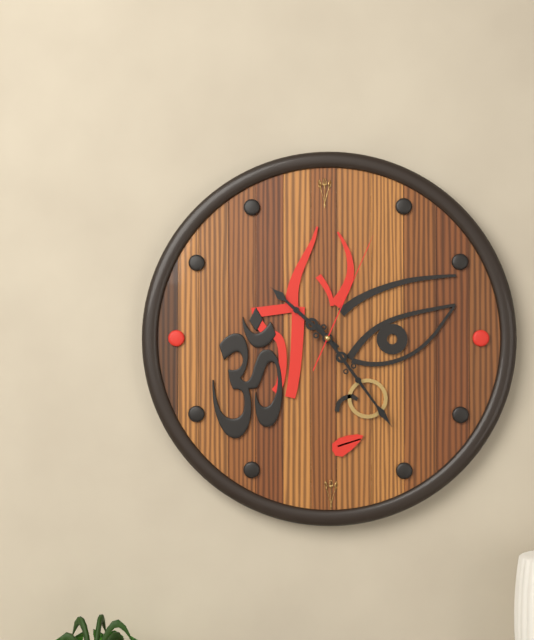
10 h 24 min 04 s
